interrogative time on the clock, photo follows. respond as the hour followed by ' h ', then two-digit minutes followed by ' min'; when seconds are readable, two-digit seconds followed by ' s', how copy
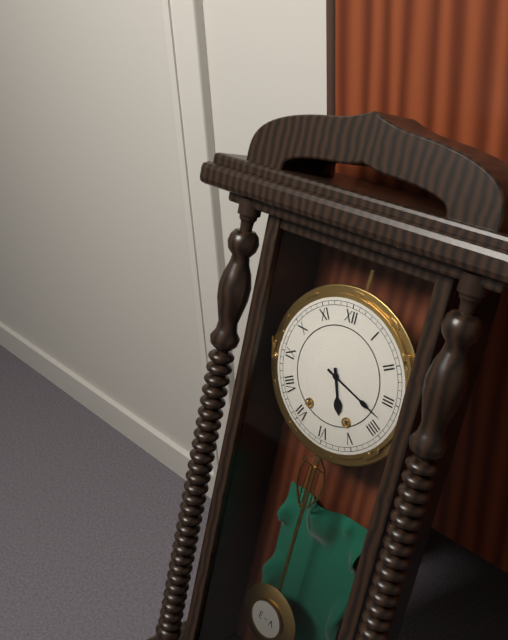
5 h 18 min
